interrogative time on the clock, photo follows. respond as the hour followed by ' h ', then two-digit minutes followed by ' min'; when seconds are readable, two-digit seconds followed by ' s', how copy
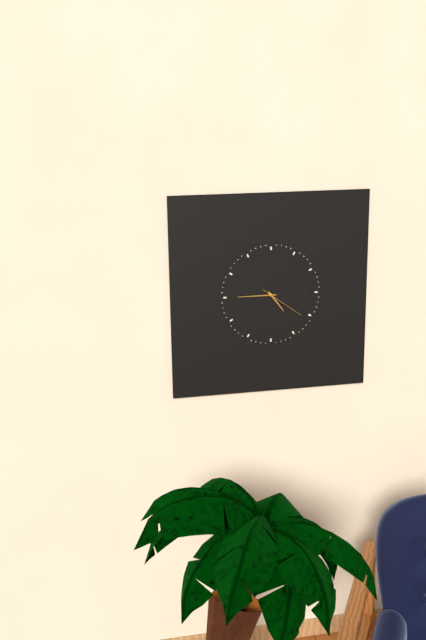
4 h 45 min
